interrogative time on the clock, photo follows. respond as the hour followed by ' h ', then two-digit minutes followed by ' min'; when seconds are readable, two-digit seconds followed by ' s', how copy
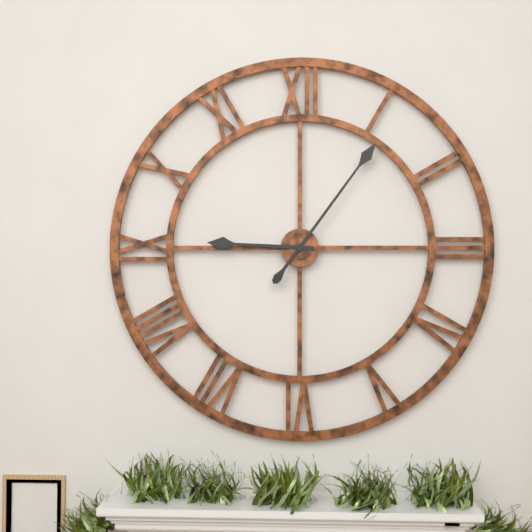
9 h 06 min
